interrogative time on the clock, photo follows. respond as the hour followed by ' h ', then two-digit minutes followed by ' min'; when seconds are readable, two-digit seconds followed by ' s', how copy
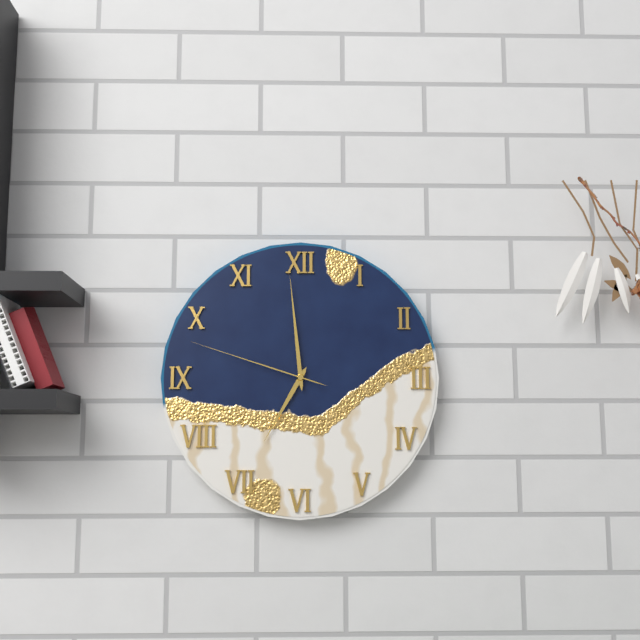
6 h 59 min 48 s
